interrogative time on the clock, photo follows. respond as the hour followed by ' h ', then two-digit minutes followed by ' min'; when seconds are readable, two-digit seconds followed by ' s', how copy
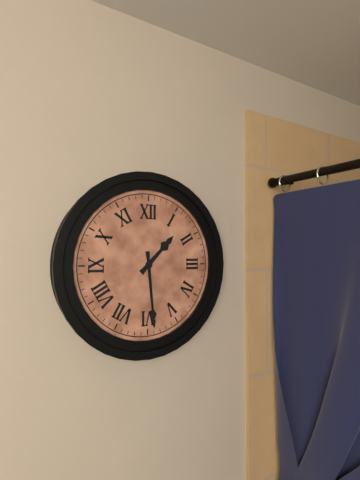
1 h 29 min
